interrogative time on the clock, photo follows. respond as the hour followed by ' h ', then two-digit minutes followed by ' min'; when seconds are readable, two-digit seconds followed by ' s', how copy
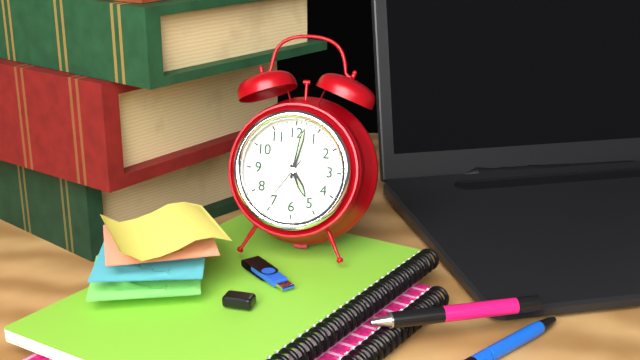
5 h 02 min 36 s
